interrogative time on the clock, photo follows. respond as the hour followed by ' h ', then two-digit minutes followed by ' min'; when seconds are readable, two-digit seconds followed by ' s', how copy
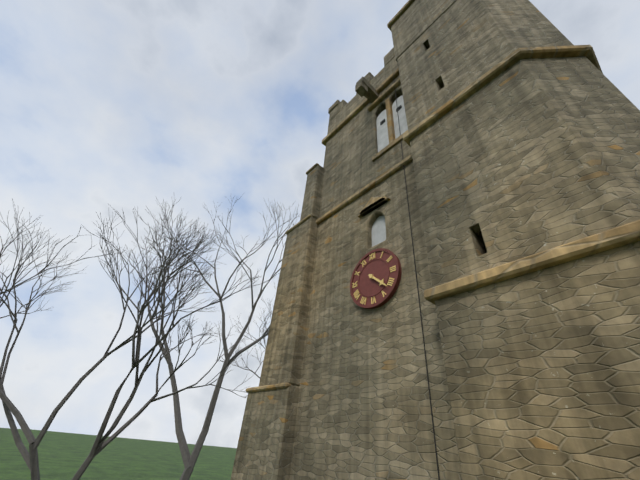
4 h 22 min
